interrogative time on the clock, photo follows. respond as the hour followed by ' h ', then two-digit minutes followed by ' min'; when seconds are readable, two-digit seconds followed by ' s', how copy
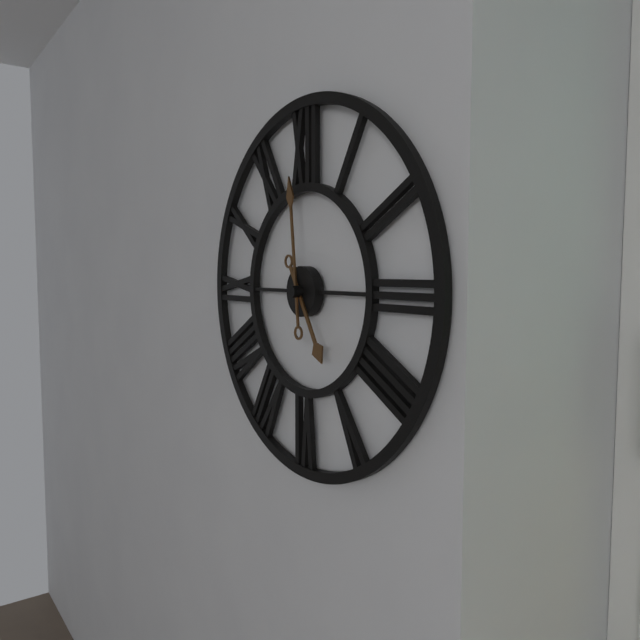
4 h 59 min
